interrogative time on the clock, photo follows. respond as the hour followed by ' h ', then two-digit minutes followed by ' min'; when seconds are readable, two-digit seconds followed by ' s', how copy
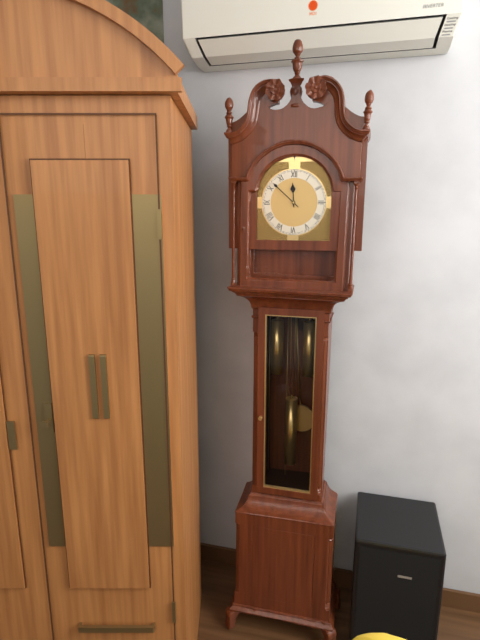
11 h 52 min
